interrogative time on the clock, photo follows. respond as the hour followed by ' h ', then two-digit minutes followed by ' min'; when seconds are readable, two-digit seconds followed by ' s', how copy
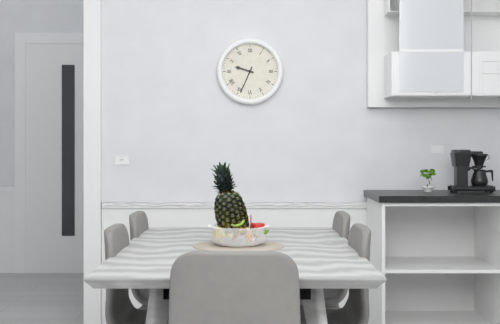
9 h 34 min
